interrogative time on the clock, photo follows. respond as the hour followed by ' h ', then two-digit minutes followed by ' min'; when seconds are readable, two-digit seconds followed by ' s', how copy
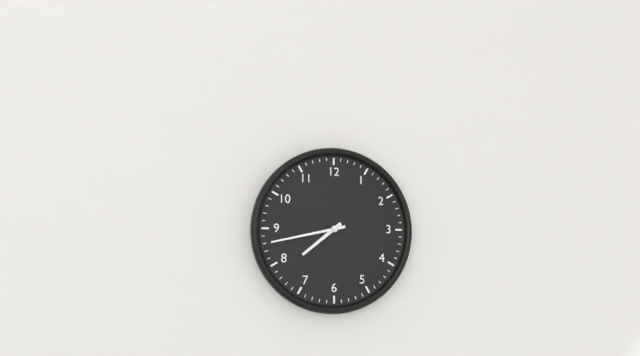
7 h 43 min
